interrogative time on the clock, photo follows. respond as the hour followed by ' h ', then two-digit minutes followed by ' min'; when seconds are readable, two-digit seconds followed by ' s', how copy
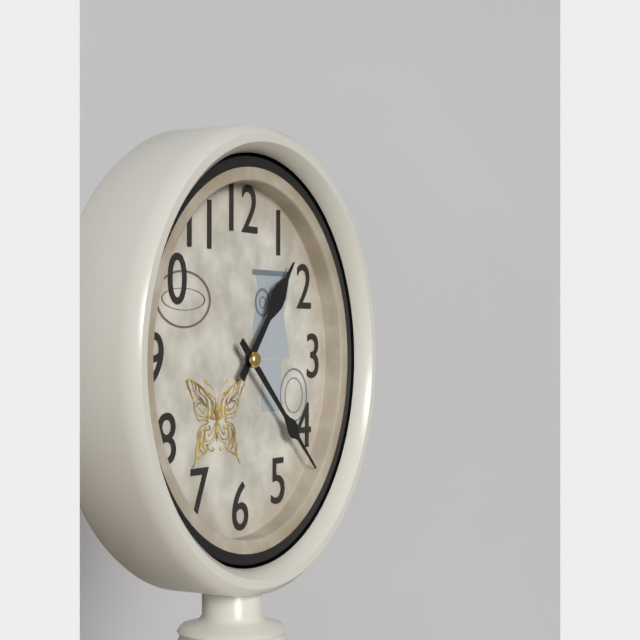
1 h 22 min
